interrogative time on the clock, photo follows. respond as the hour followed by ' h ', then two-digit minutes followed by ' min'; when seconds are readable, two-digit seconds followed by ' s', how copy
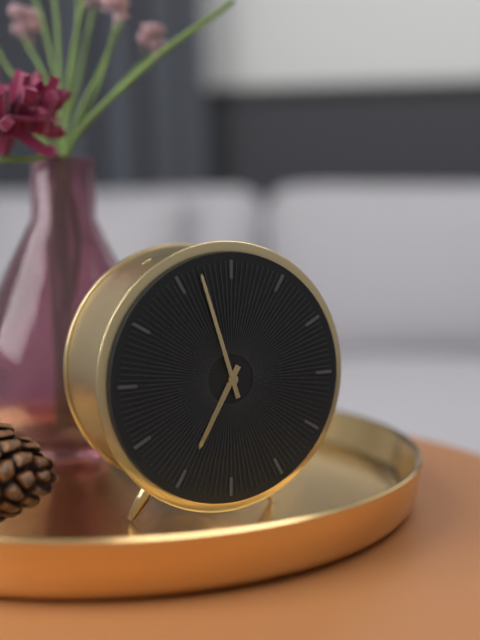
6 h 57 min
